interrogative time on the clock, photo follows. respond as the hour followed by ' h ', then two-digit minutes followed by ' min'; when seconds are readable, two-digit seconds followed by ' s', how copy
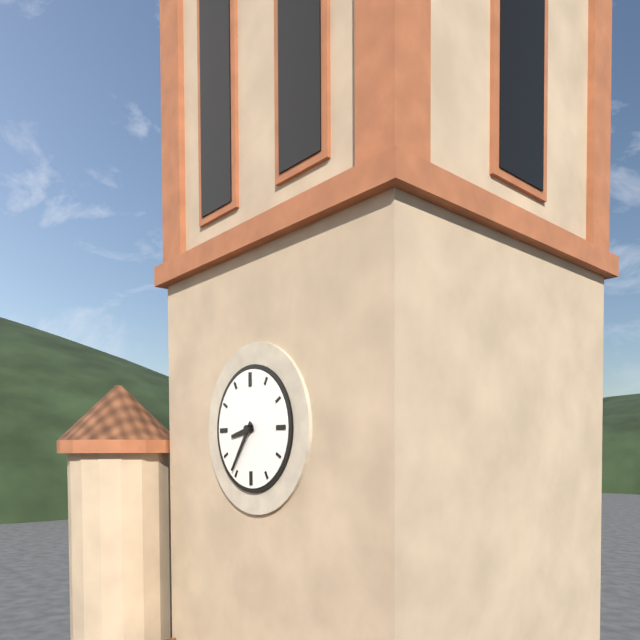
8 h 36 min
